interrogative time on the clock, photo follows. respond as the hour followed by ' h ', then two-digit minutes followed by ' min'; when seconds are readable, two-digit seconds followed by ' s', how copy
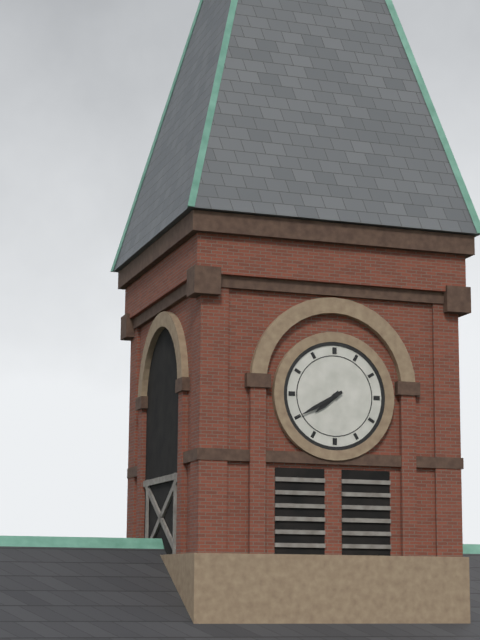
7 h 40 min
